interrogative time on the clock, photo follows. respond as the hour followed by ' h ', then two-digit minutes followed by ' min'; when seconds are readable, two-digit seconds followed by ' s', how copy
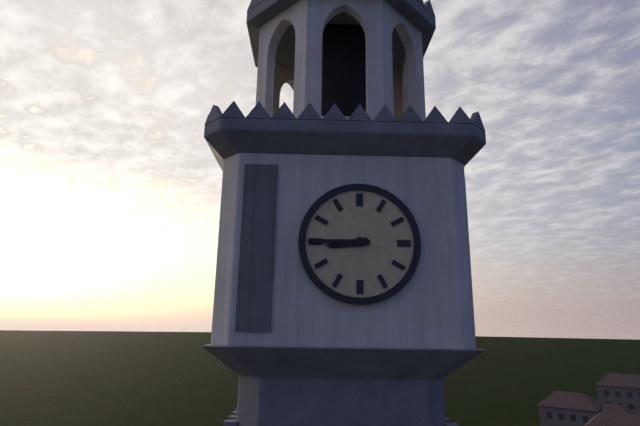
8 h 45 min
